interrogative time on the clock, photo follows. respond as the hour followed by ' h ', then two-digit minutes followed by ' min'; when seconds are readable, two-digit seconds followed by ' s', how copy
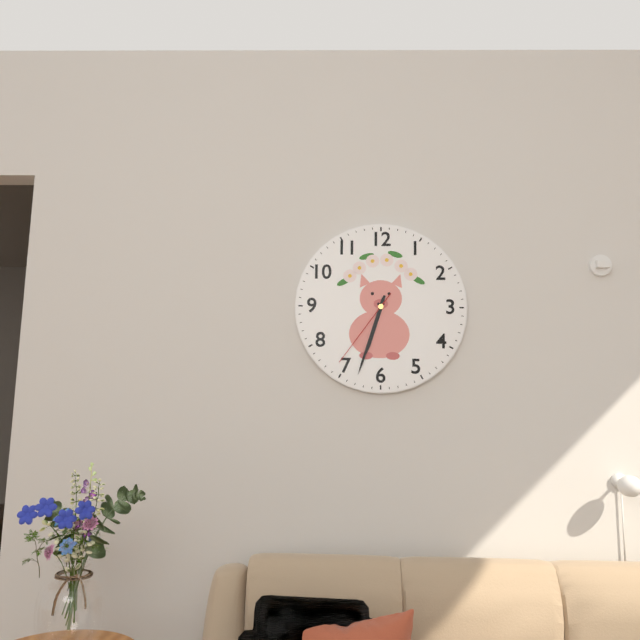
6 h 33 min 36 s
